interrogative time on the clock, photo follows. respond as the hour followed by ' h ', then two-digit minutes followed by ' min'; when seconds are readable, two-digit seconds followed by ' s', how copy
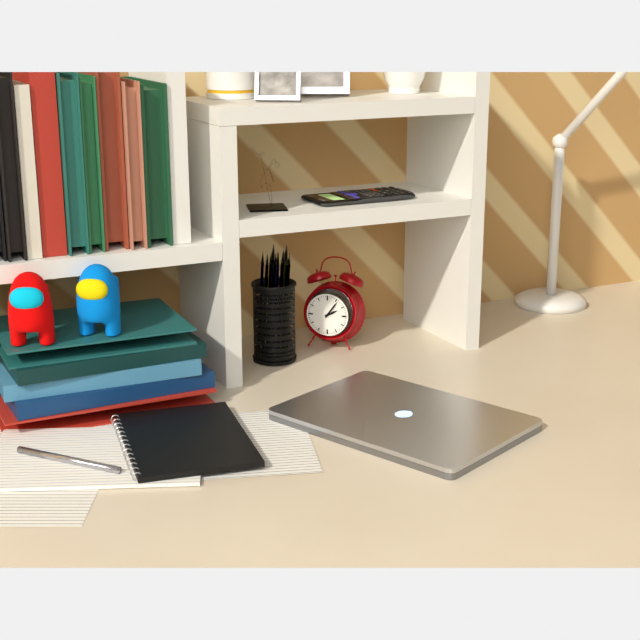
2 h 06 min
